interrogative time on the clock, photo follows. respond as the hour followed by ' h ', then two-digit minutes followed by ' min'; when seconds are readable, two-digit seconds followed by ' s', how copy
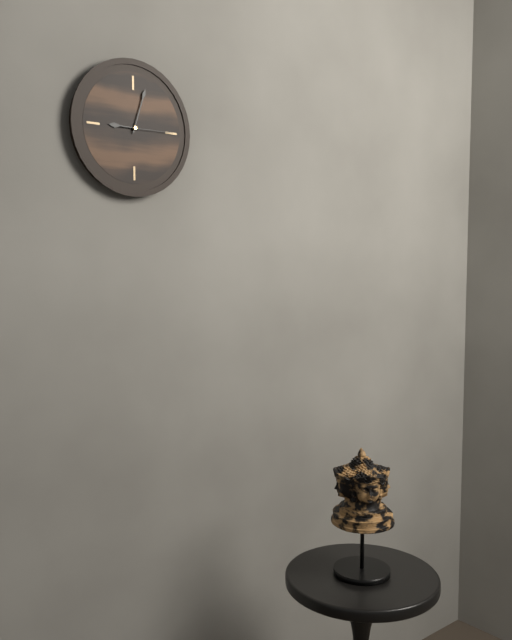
9 h 03 min
